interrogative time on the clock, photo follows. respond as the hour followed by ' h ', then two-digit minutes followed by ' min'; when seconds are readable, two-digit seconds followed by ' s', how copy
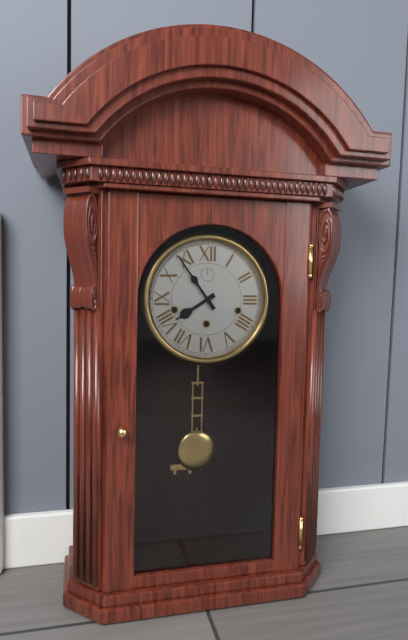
7 h 54 min
